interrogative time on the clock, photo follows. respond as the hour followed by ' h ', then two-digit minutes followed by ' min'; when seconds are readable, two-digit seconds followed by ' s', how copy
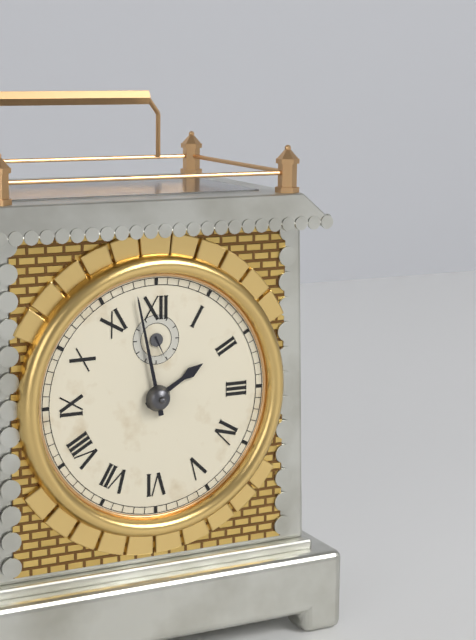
1 h 58 min
